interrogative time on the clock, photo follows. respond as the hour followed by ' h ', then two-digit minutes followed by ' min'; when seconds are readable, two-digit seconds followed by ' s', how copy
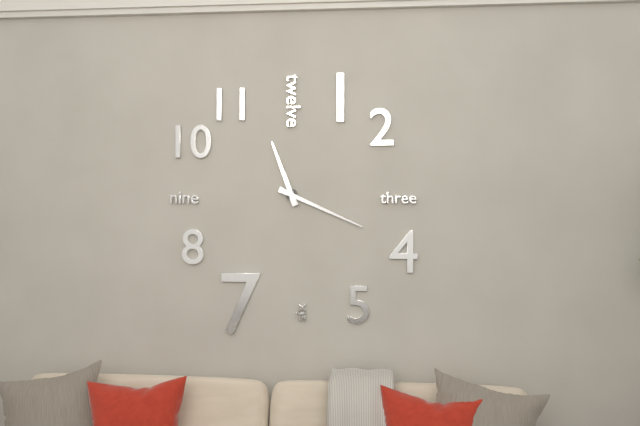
11 h 19 min
